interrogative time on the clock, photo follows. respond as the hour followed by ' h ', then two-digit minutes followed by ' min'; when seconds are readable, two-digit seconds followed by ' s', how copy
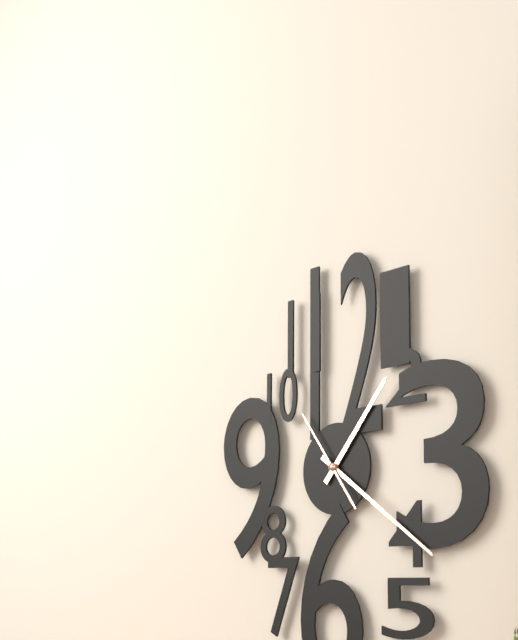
1 h 21 min 54 s
